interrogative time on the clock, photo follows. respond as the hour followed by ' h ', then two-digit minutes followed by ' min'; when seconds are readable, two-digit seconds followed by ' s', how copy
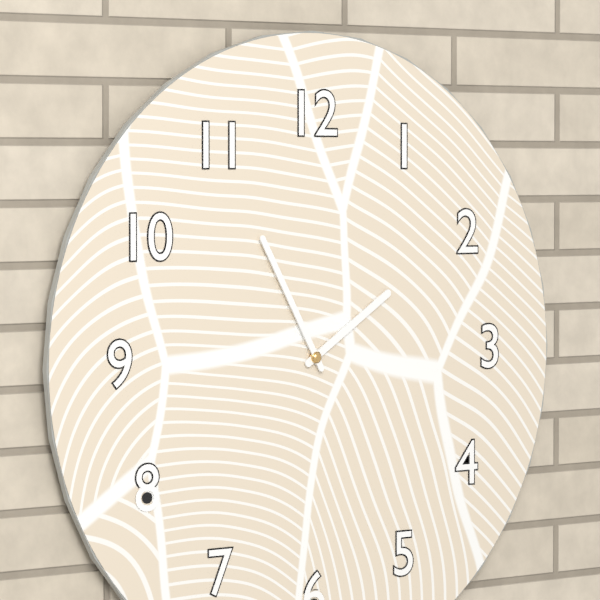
1 h 55 min
